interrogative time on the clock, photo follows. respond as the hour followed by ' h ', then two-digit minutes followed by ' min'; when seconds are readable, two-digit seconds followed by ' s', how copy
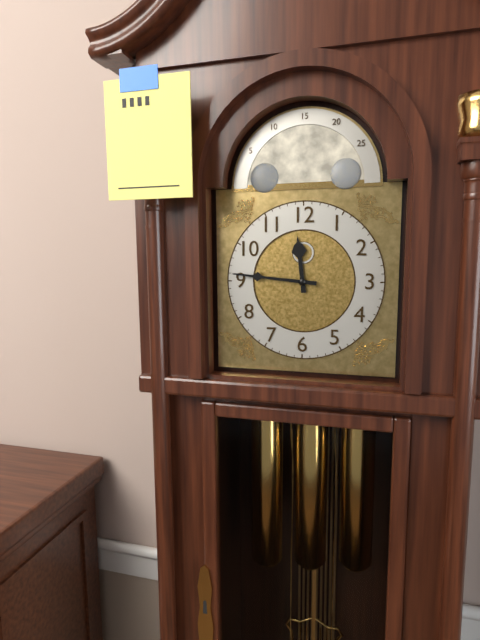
11 h 46 min
